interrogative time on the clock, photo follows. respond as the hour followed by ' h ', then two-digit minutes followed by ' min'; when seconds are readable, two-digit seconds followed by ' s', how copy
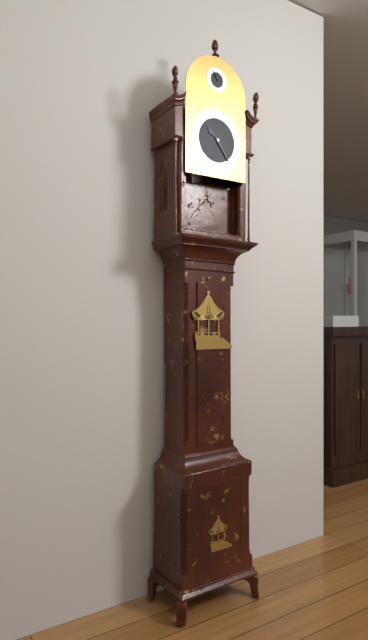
10 h 24 min
